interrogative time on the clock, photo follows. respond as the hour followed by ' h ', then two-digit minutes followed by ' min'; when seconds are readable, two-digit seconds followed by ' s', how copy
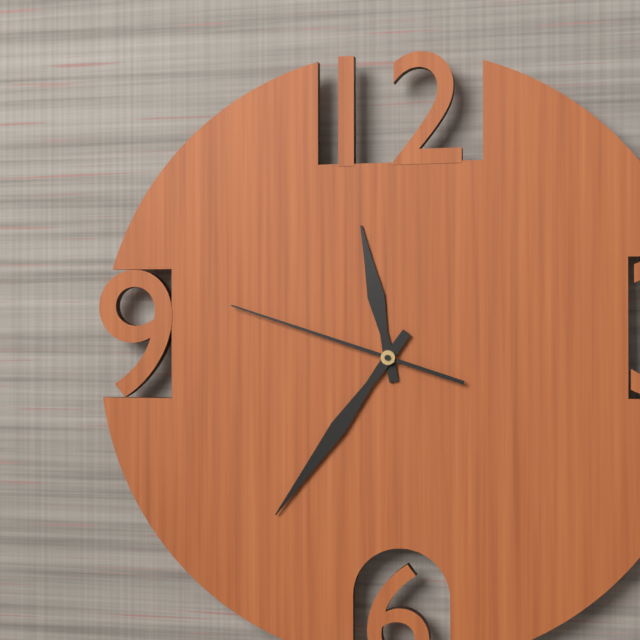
11 h 36 min 48 s
